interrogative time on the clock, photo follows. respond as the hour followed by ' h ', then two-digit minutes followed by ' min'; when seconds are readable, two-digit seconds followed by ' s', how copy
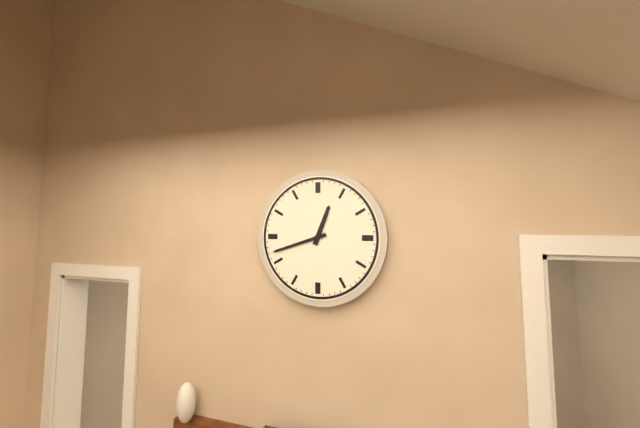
12 h 42 min
